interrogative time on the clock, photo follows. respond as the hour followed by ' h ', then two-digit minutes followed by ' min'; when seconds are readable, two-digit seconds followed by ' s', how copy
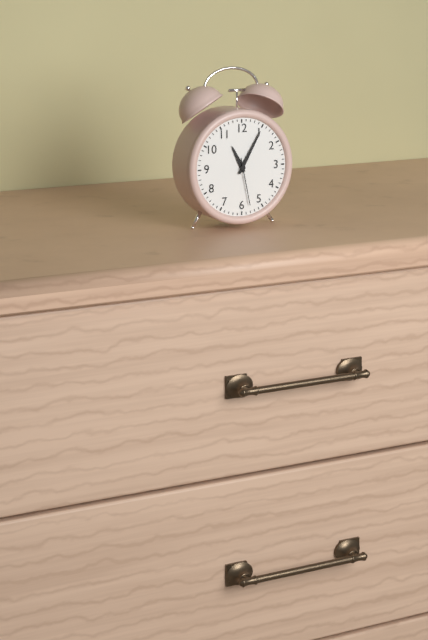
11 h 05 min
